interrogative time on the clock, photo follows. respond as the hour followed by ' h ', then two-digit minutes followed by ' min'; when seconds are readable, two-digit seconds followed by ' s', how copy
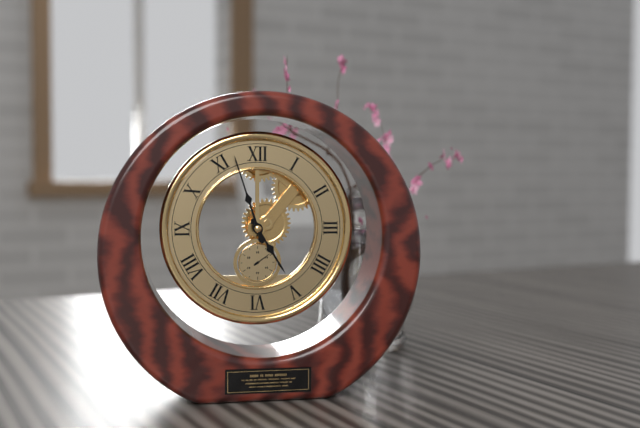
4 h 57 min
